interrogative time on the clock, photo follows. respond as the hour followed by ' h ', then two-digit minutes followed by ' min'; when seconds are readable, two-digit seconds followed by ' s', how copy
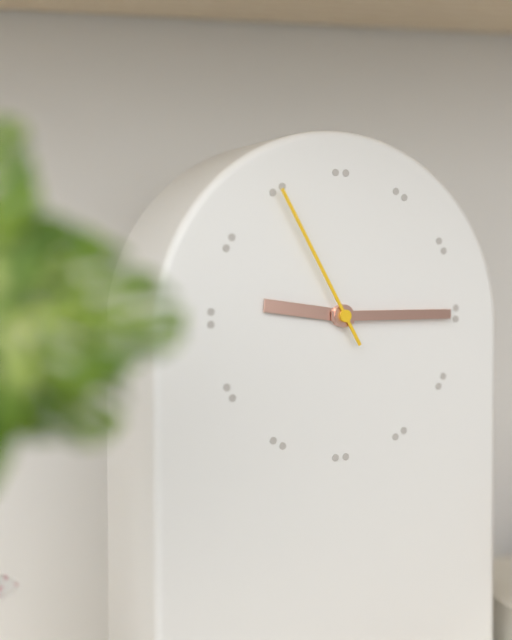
9 h 15 min 55 s
